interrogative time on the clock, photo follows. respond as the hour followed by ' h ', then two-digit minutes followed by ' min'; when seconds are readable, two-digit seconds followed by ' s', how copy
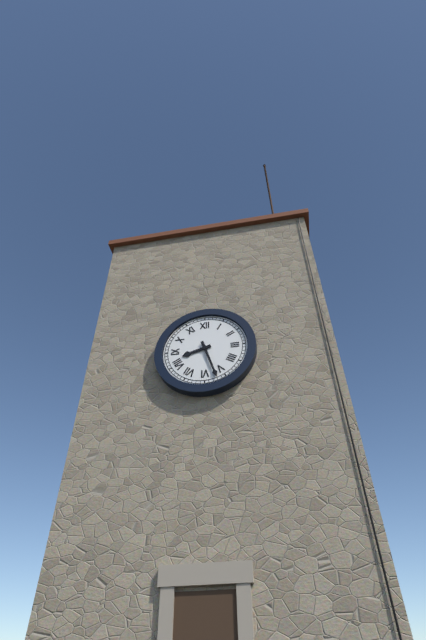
8 h 27 min
